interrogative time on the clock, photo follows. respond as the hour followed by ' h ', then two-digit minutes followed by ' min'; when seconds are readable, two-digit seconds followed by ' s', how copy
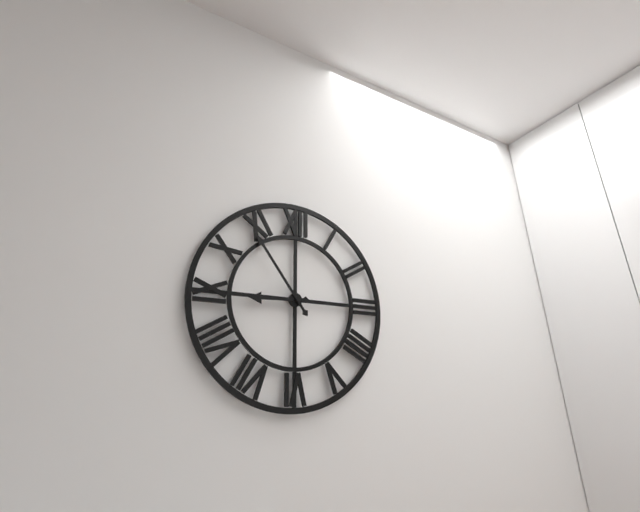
8 h 54 min
